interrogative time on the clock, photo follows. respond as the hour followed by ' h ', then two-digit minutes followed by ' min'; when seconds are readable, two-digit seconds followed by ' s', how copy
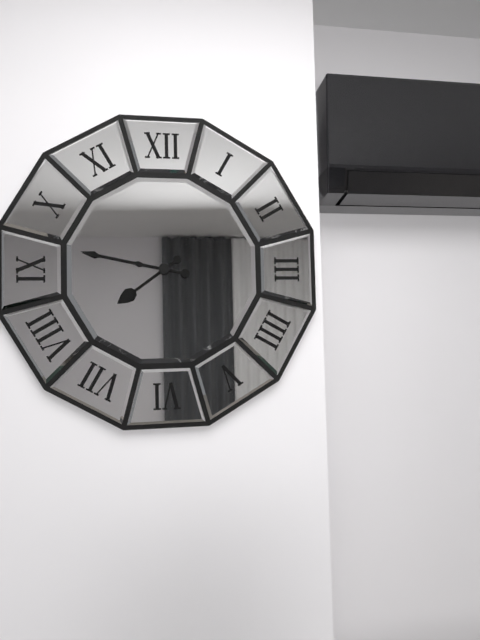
7 h 47 min
